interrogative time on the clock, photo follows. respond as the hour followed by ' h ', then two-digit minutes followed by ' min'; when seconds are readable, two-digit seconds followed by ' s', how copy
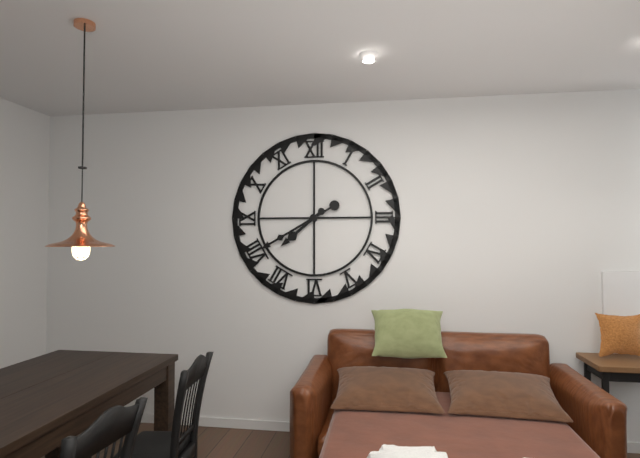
7 h 40 min
